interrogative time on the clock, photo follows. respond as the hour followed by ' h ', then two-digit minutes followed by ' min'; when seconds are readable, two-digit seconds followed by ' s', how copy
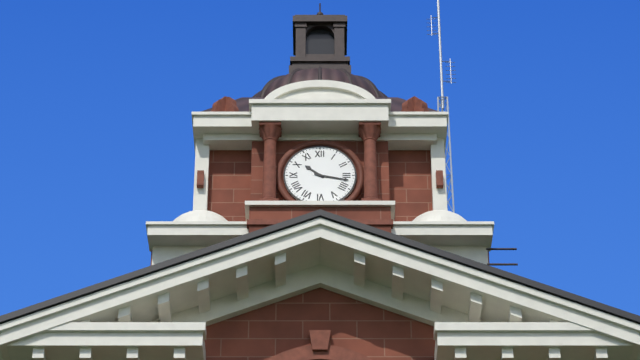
10 h 17 min
